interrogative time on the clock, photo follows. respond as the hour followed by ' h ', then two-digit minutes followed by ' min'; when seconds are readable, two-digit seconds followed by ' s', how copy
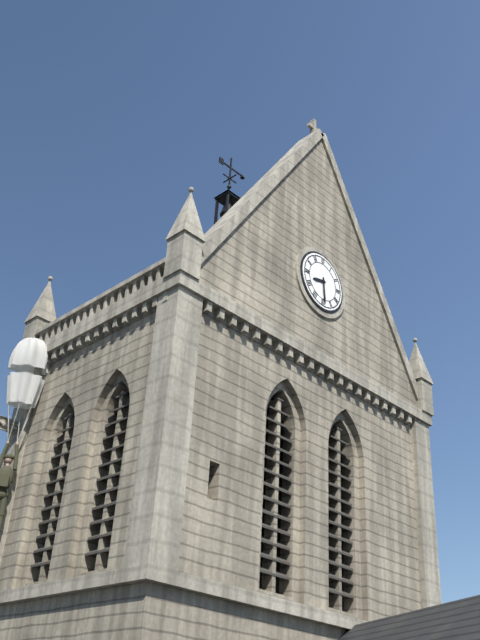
8 h 29 min
